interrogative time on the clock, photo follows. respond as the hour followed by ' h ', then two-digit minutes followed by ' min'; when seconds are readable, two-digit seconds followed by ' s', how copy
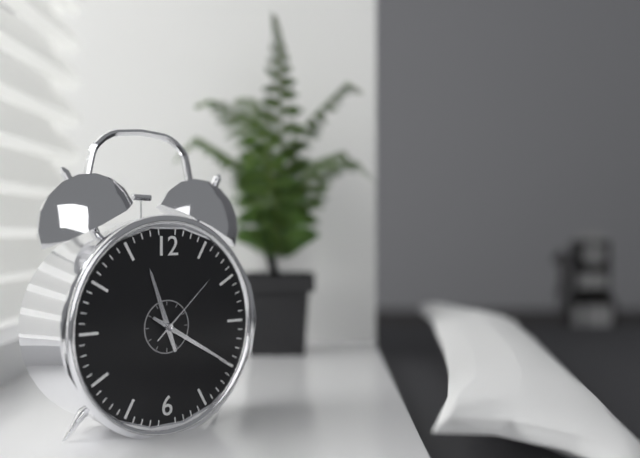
11 h 20 min 08 s
